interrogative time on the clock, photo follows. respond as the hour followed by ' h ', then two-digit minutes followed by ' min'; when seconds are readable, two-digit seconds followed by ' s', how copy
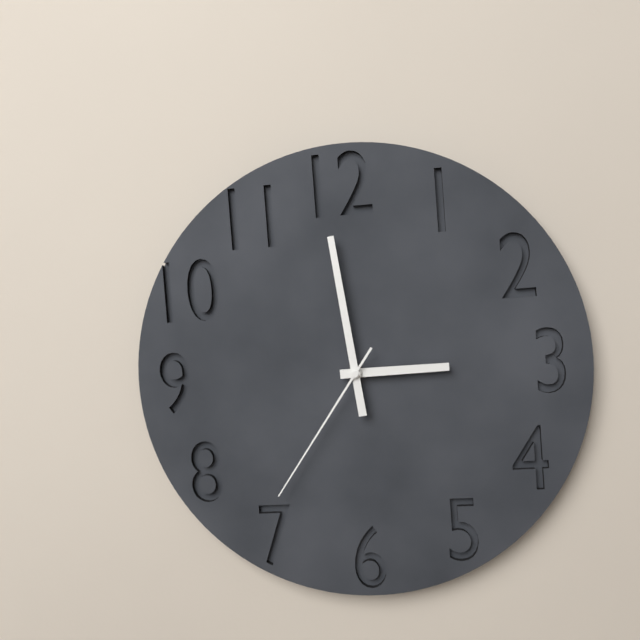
2 h 59 min 36 s
